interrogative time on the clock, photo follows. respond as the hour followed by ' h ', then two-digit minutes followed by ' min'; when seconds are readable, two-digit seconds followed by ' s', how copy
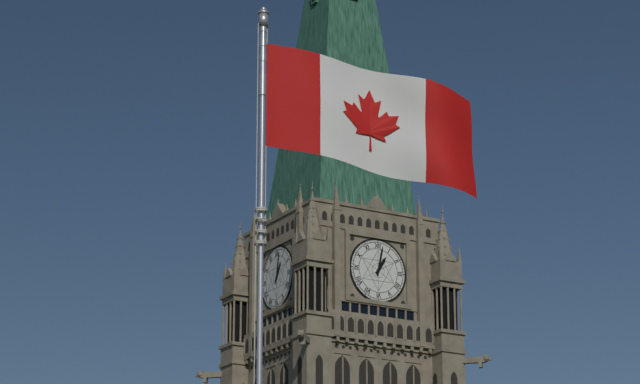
1 h 02 min
